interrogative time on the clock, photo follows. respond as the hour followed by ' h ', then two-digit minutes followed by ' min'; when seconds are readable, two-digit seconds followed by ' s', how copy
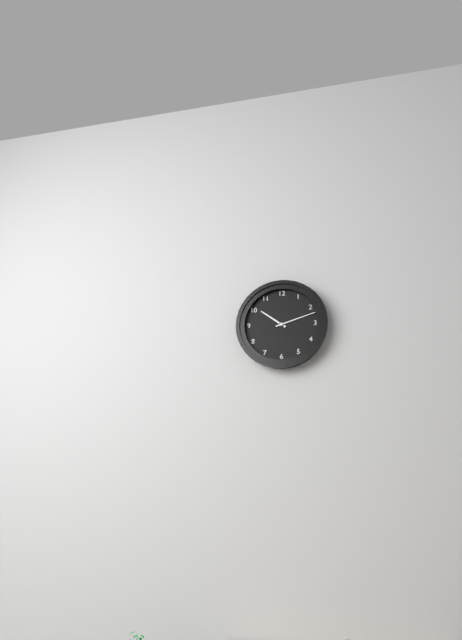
10 h 12 min
